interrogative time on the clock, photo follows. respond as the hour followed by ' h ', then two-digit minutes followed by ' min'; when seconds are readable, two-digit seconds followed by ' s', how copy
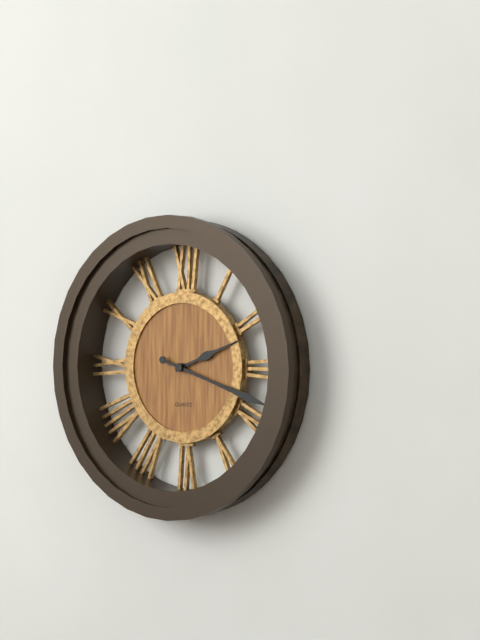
2 h 18 min
